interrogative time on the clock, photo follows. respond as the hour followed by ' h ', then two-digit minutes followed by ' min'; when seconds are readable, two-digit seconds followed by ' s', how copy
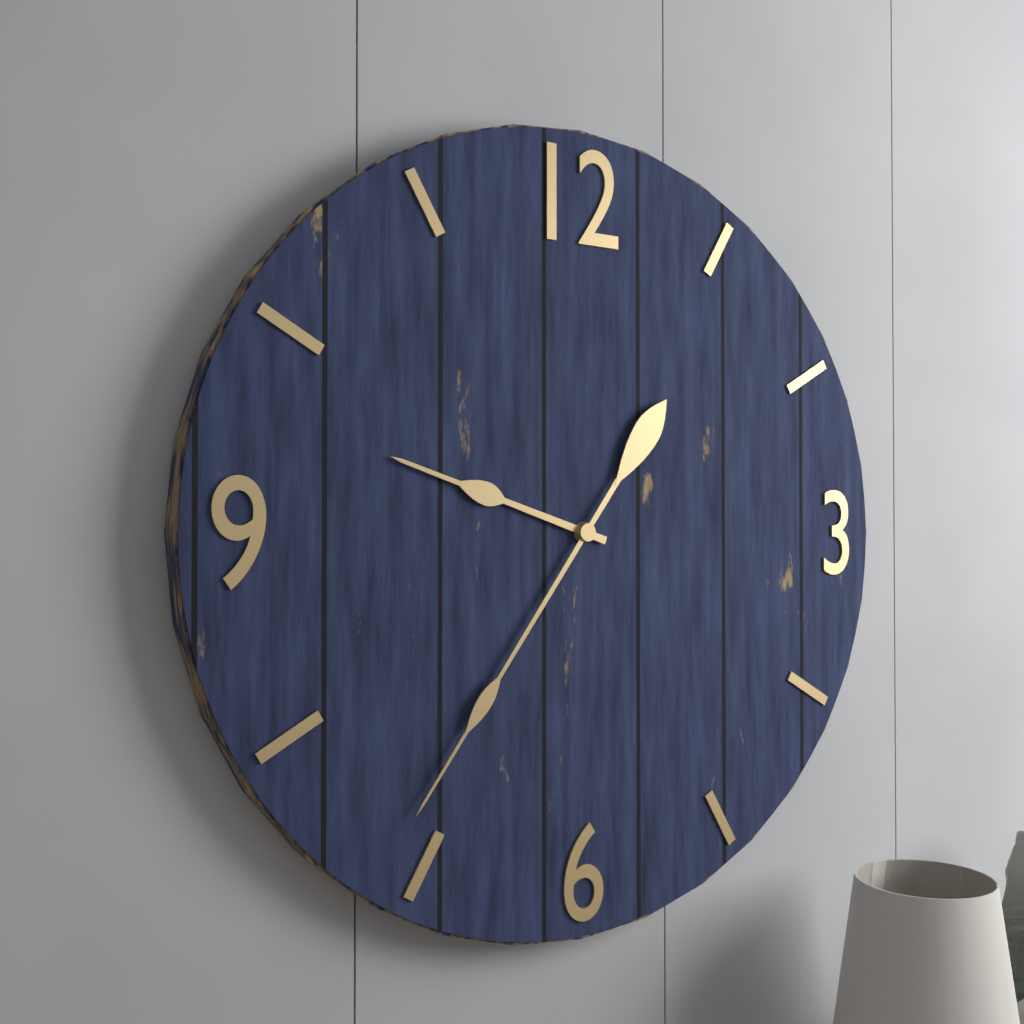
9 h 36 min
